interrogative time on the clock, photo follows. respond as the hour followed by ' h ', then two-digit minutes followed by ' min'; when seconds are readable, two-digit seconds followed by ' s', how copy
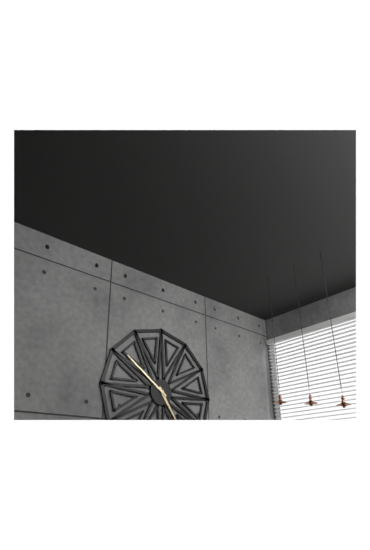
4 h 51 min
